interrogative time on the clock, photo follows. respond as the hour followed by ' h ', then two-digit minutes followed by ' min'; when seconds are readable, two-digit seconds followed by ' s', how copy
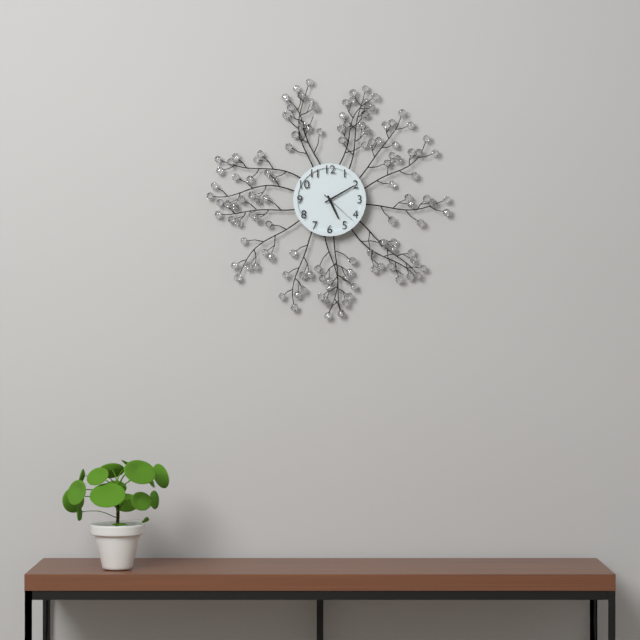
5 h 10 min
